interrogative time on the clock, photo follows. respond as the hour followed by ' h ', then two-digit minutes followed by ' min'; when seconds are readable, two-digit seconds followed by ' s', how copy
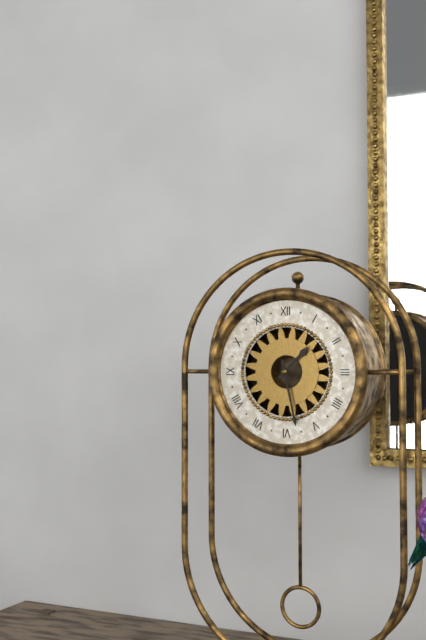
1 h 28 min
